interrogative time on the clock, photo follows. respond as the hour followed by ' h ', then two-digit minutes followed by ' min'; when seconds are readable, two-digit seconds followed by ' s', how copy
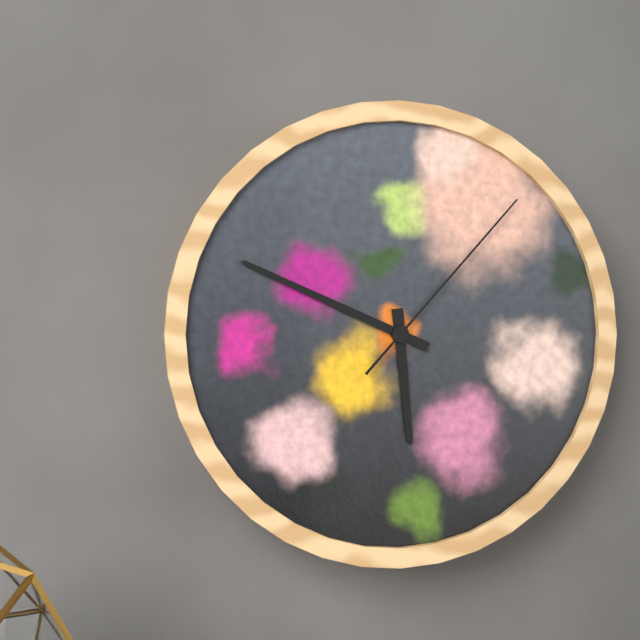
5 h 49 min 07 s
